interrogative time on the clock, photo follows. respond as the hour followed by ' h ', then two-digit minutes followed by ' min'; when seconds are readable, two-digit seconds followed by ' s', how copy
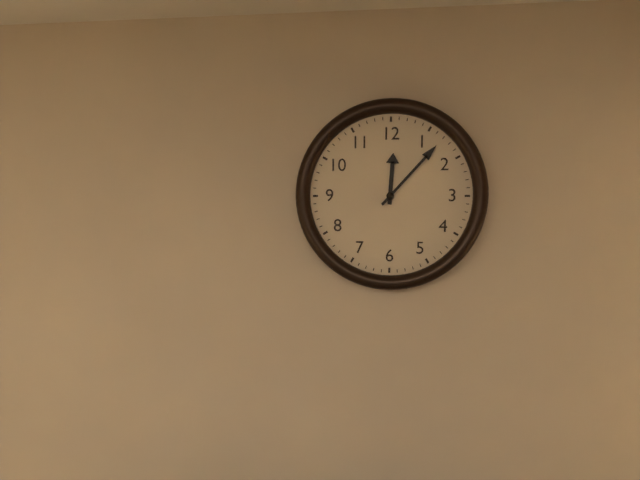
12 h 07 min
